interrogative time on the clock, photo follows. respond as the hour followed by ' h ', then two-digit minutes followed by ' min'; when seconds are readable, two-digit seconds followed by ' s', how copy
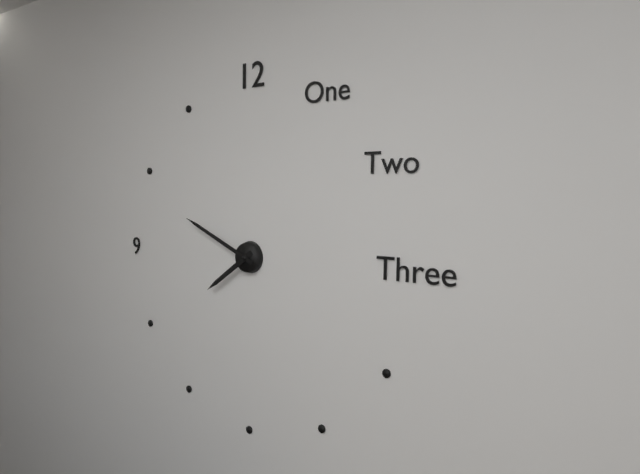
7 h 49 min
